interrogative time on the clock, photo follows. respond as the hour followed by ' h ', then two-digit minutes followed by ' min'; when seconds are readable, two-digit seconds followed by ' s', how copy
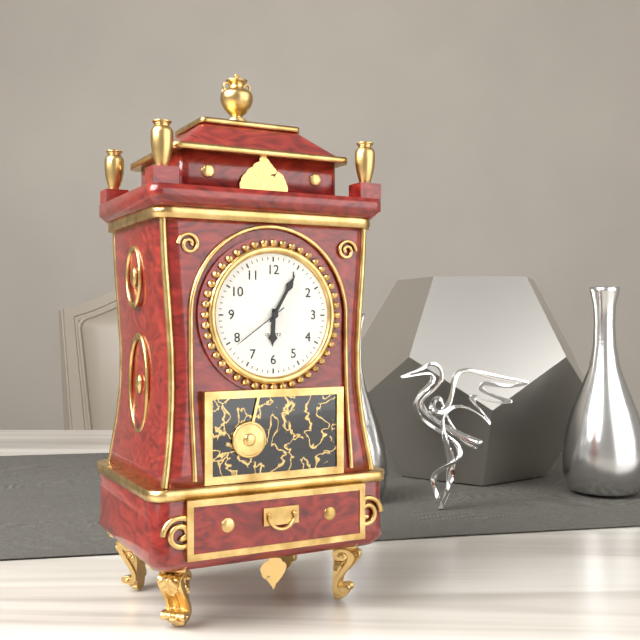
6 h 05 min 39 s
